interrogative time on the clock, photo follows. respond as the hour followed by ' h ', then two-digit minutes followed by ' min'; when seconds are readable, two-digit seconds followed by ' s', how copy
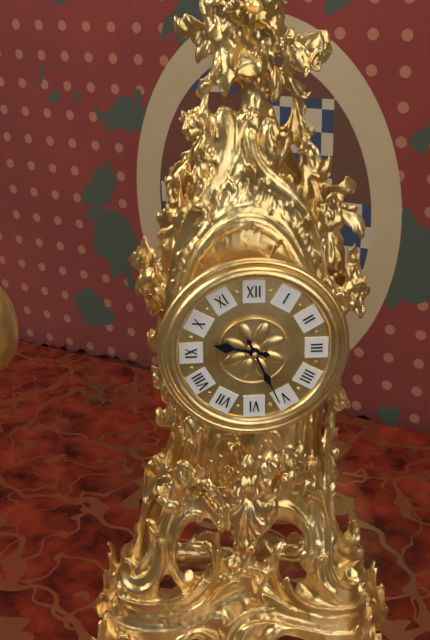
9 h 26 min
